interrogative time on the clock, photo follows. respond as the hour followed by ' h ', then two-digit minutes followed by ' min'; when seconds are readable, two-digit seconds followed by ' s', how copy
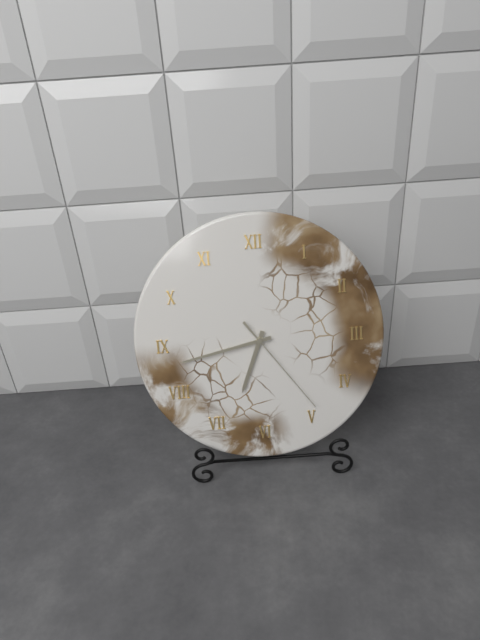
6 h 43 min 24 s
